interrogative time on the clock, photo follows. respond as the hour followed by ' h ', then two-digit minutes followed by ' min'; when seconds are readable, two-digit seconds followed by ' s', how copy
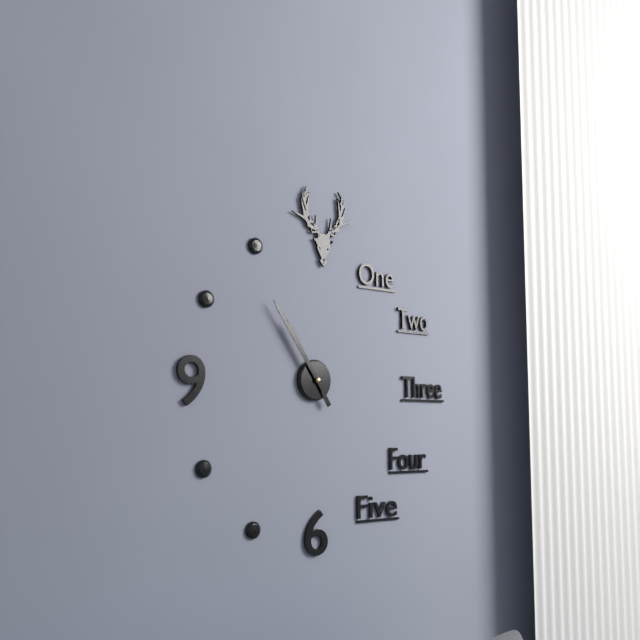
10 h 54 min
